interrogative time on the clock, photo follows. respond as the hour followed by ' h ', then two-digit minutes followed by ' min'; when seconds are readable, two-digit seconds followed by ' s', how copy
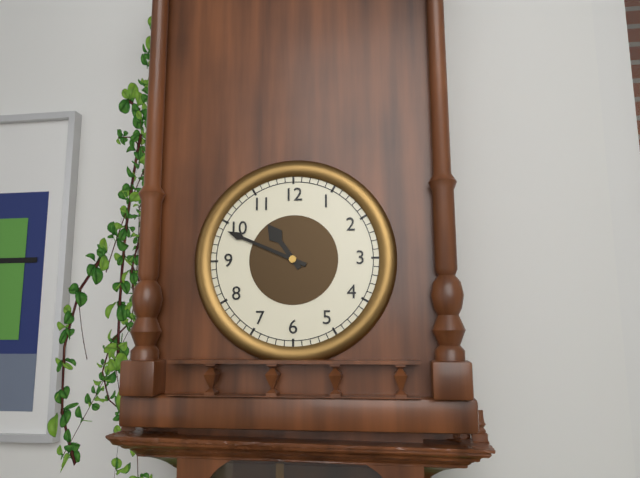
10 h 49 min
